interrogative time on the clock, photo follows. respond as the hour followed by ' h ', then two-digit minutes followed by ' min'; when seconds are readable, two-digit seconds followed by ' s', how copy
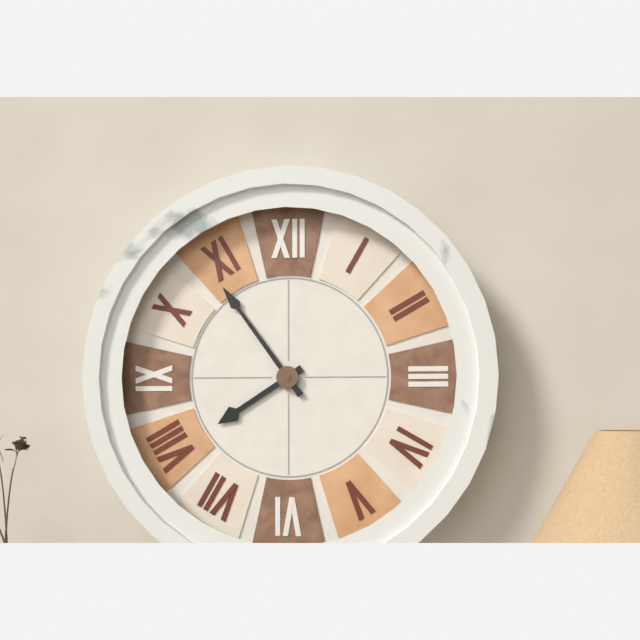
7 h 54 min
